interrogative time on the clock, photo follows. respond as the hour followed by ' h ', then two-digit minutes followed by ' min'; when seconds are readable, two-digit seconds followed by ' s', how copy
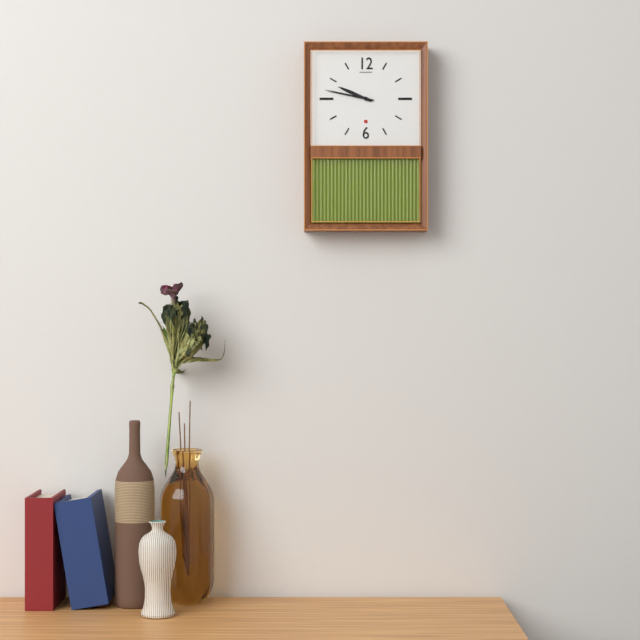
9 h 47 min
